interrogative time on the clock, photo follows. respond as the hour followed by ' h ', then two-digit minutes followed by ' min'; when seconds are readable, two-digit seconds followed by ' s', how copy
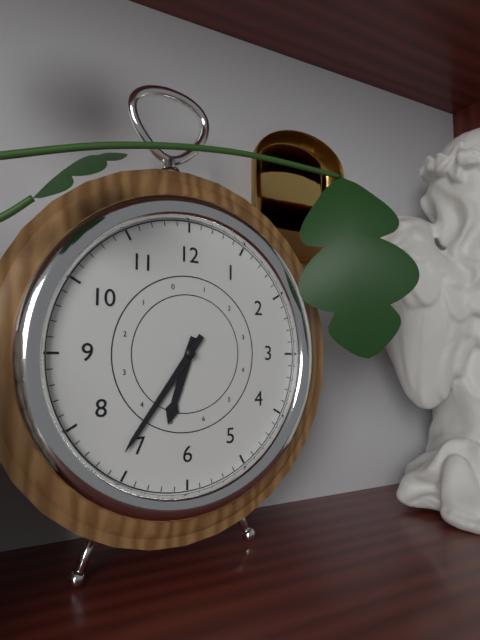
6 h 36 min
